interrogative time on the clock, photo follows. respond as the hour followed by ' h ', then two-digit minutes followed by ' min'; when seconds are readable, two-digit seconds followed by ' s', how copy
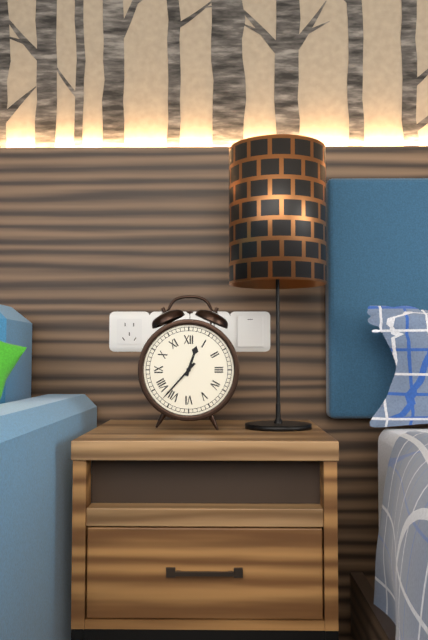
12 h 37 min
